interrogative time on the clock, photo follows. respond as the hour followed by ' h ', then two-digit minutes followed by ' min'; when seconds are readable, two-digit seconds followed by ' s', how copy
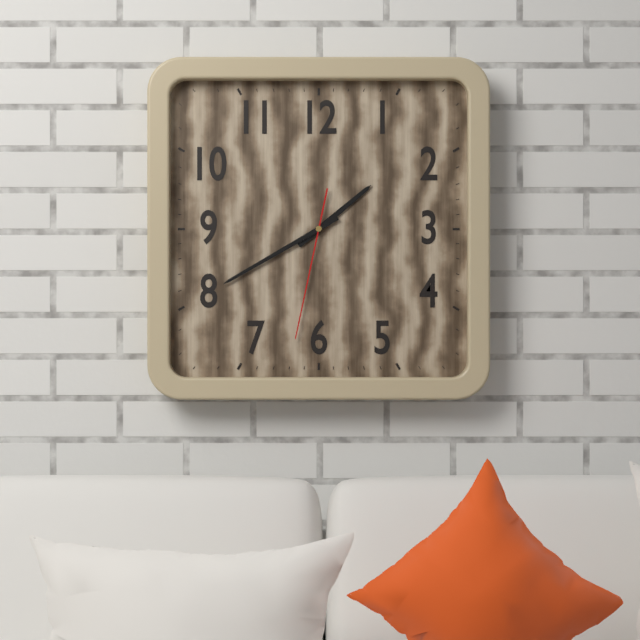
1 h 40 min 32 s
